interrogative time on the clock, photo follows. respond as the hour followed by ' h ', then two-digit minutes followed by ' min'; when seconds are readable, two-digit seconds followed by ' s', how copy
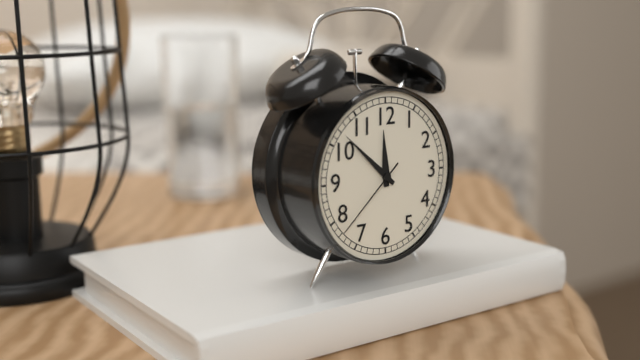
11 h 52 min 38 s
